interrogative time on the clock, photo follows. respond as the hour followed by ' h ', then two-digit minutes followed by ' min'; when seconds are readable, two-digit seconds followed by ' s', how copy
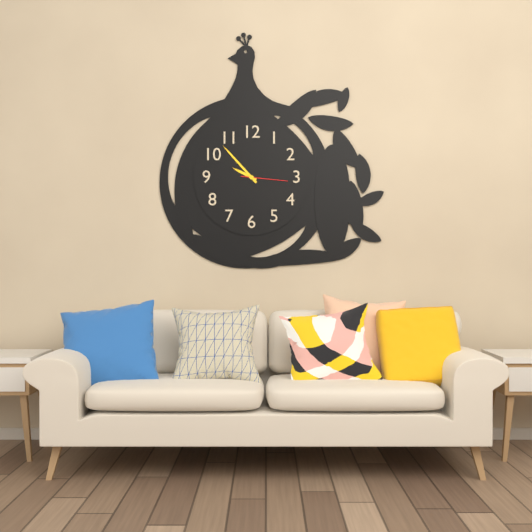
9 h 53 min
